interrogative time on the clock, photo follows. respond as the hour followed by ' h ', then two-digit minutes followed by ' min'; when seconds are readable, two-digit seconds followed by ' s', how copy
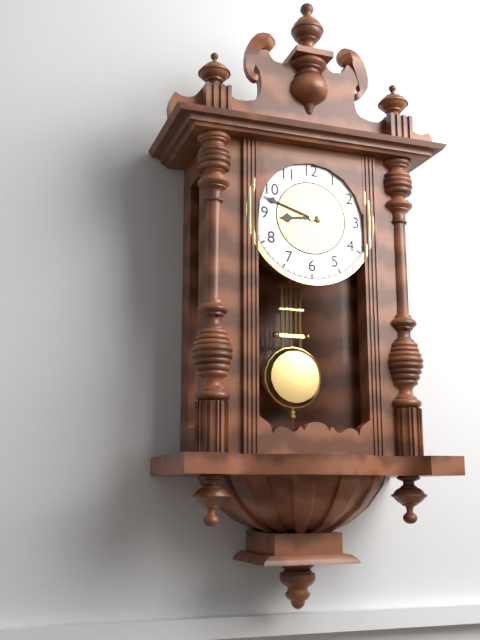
8 h 48 min
